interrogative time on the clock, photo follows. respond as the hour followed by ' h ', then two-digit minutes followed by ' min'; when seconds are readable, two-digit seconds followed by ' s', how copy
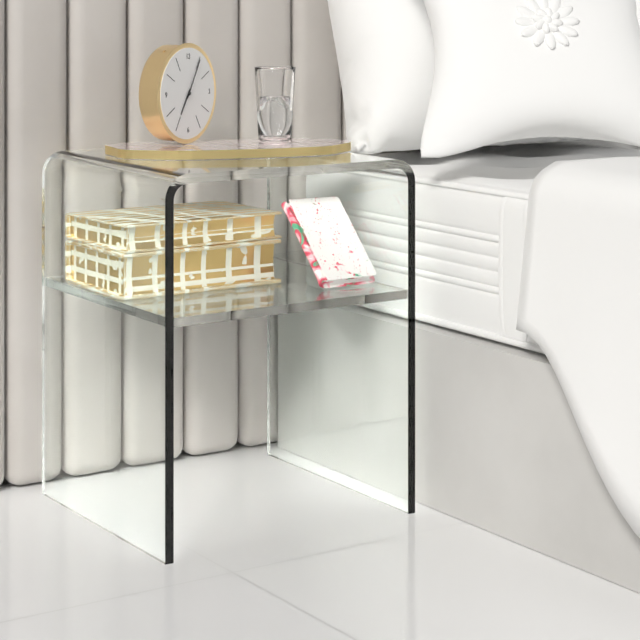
7 h 05 min
